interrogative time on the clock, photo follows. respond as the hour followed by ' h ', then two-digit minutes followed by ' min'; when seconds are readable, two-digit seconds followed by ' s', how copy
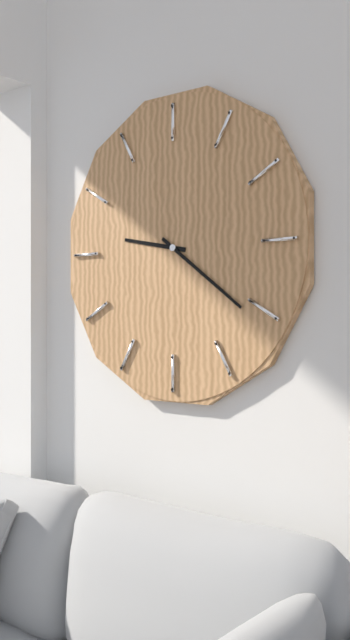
9 h 21 min
